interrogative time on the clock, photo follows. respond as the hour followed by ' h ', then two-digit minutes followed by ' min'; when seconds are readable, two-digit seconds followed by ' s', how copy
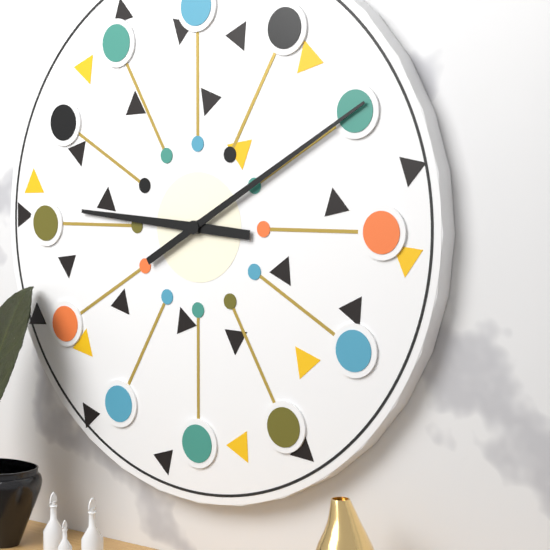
9 h 10 min
